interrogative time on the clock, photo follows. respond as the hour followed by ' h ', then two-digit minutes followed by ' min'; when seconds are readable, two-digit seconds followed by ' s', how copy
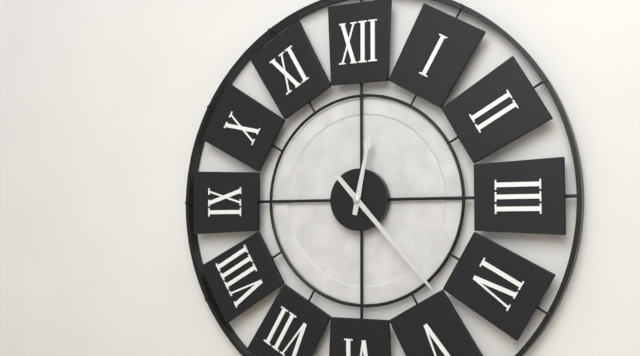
12 h 23 min
